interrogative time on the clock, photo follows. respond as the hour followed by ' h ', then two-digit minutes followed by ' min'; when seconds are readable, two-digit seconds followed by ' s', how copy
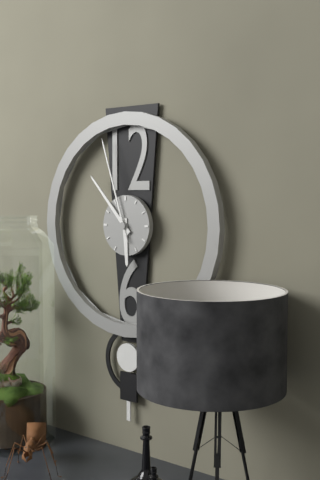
5 h 53 min 57 s
